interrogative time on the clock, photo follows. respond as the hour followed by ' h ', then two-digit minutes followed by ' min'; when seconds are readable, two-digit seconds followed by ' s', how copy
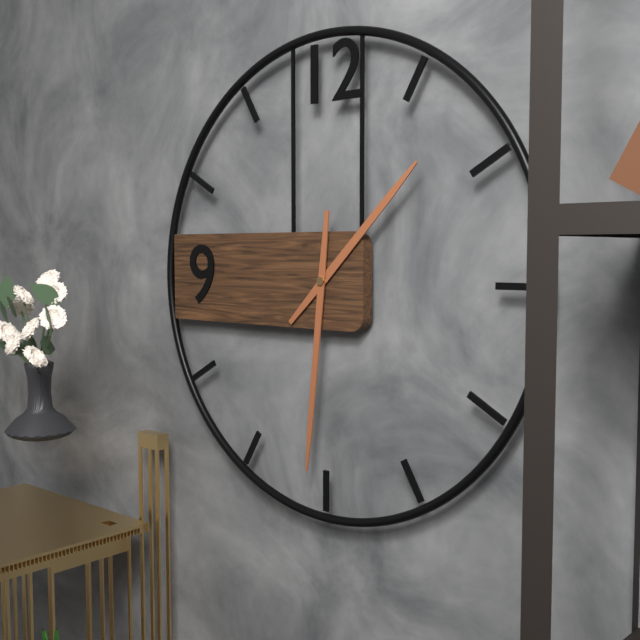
1 h 31 min
